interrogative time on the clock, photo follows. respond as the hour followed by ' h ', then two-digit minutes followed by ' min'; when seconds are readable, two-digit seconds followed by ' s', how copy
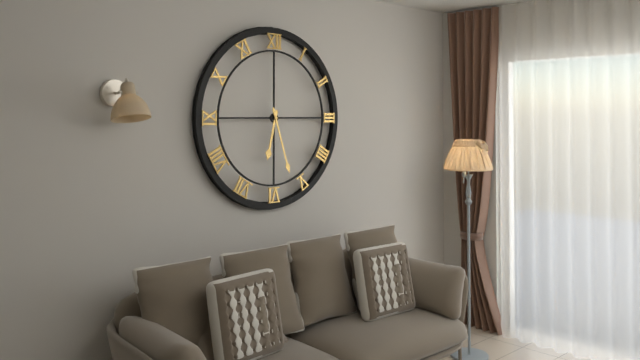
6 h 27 min
